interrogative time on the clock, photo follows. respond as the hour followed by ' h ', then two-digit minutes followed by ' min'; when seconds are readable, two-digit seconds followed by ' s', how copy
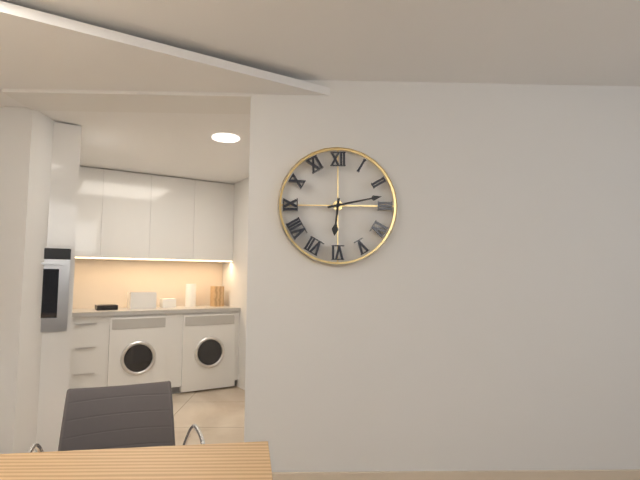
6 h 13 min
